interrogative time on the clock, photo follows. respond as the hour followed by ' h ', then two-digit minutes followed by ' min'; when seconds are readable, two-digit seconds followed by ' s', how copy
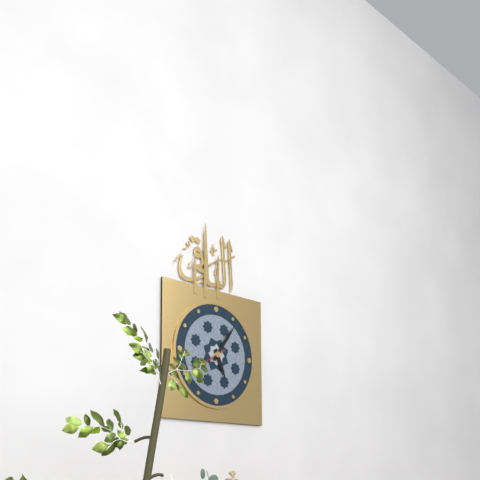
5 h 06 min
